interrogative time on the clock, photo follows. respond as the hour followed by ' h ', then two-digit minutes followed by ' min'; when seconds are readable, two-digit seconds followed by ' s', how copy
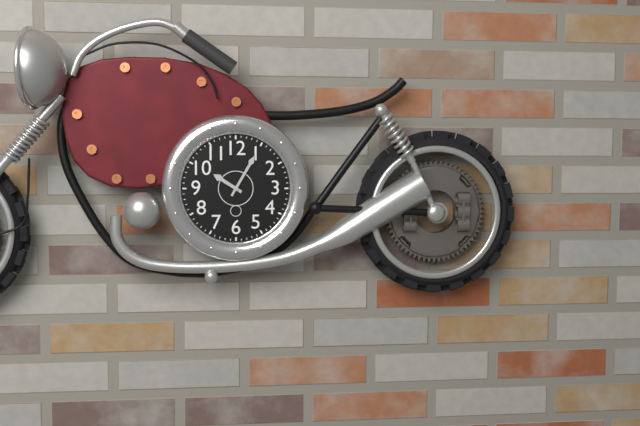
10 h 05 min
